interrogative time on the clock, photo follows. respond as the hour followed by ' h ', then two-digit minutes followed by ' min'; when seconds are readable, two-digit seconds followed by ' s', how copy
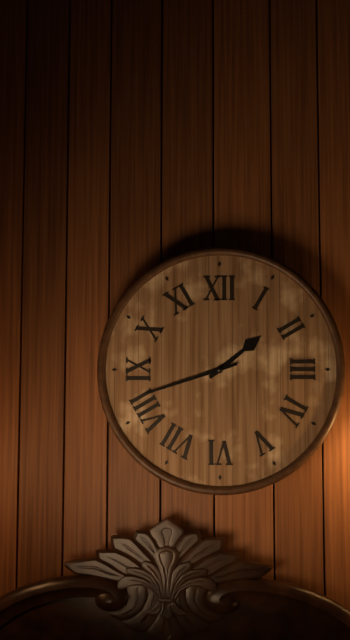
1 h 42 min
